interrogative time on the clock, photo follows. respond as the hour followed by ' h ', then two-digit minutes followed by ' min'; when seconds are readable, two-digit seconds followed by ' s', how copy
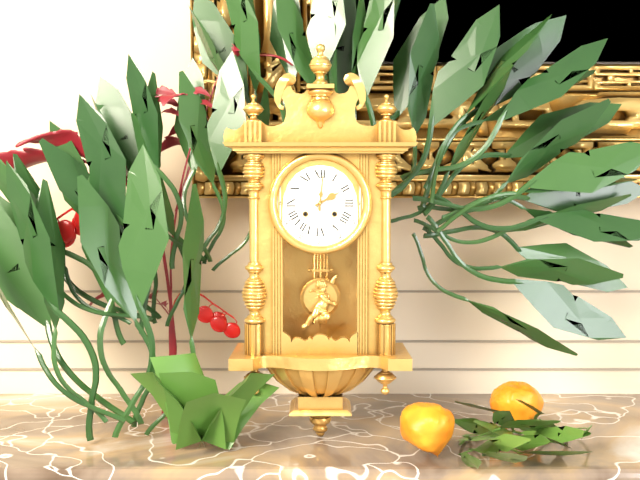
2 h 01 min
